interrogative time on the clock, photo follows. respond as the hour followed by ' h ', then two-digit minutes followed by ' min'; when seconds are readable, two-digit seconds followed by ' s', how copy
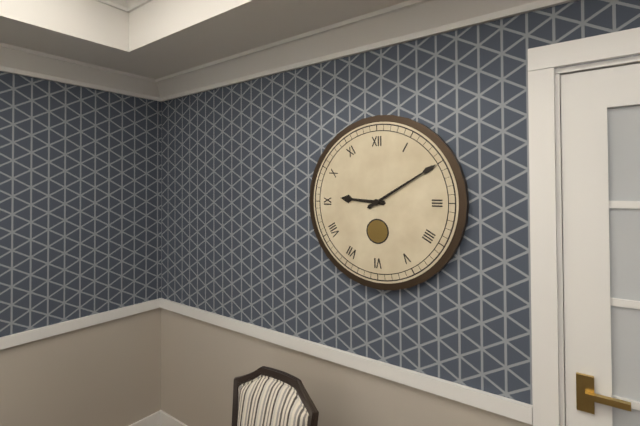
9 h 10 min
